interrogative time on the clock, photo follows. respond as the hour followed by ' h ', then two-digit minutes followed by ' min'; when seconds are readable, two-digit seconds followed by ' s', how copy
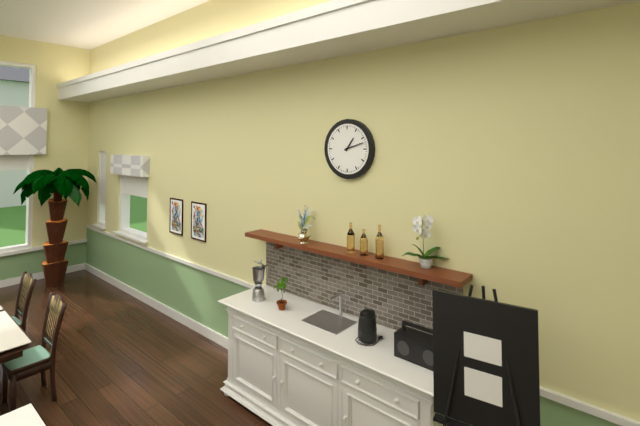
1 h 12 min
